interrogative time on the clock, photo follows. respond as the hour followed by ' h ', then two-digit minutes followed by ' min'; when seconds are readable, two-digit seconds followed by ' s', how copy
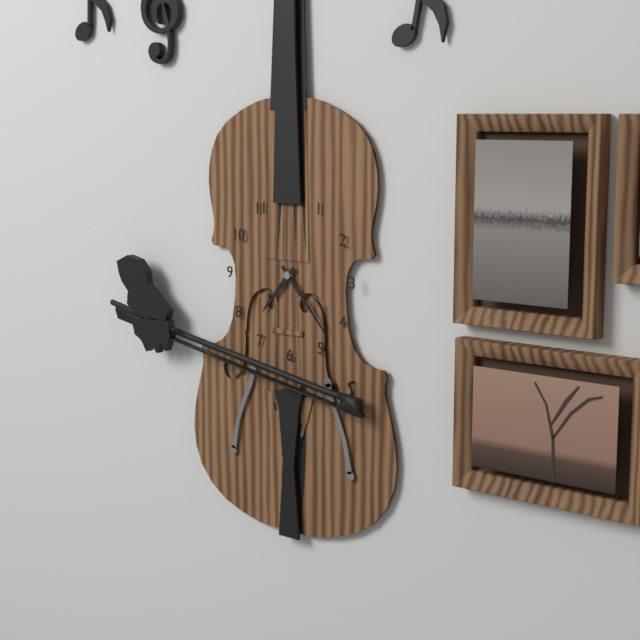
7 h 23 min
